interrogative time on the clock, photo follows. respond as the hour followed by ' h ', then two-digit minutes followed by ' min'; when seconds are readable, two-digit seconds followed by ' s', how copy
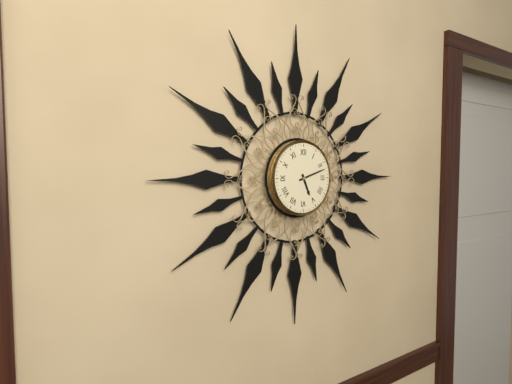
5 h 12 min
